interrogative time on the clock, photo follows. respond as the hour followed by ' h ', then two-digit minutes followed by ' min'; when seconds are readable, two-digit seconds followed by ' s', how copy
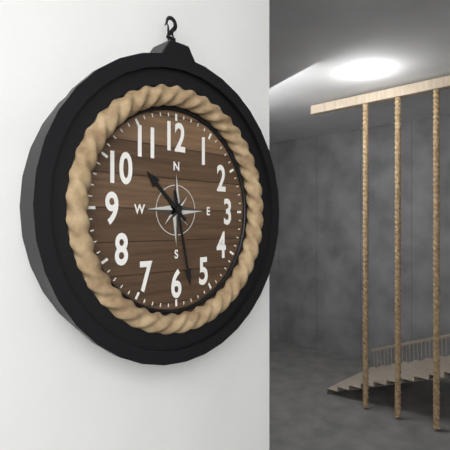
10 h 28 min
